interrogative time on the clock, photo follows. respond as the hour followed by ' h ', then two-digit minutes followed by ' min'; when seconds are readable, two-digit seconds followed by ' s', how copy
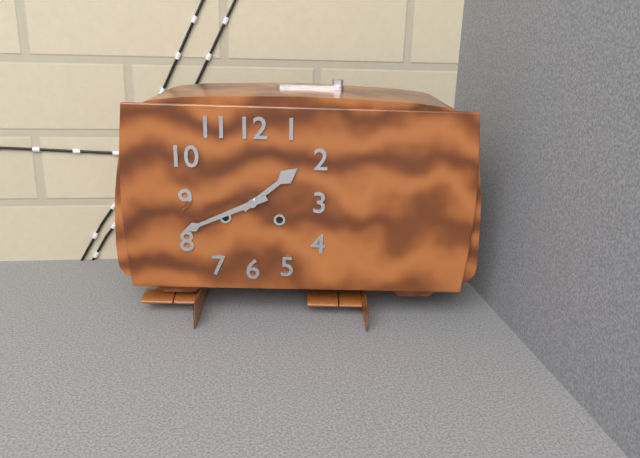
1 h 41 min
